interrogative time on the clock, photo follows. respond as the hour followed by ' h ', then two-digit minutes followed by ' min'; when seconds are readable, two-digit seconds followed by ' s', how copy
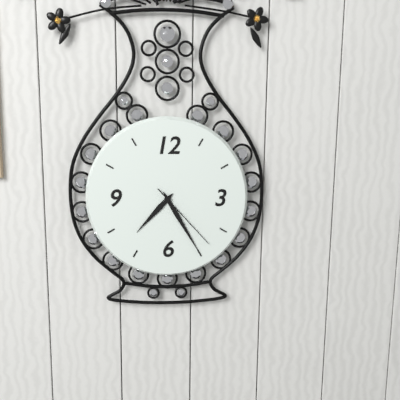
7 h 25 min 23 s
